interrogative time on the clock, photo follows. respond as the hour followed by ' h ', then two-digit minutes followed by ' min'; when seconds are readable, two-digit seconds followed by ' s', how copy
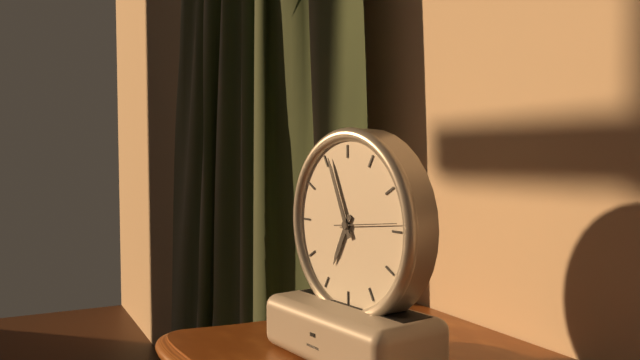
6 h 56 min
